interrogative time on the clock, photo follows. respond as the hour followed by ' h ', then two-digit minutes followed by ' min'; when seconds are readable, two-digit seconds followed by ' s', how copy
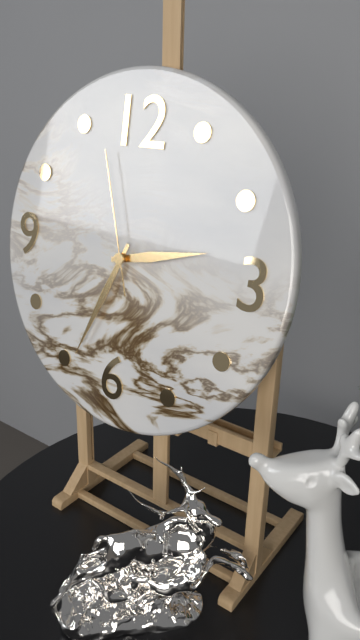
2 h 34 min 57 s
